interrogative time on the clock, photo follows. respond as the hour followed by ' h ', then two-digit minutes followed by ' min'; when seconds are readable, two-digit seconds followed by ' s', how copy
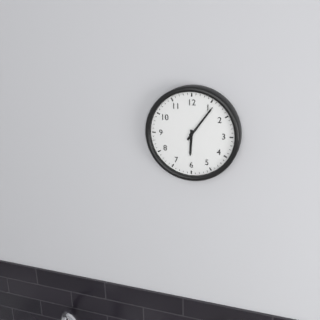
6 h 06 min
